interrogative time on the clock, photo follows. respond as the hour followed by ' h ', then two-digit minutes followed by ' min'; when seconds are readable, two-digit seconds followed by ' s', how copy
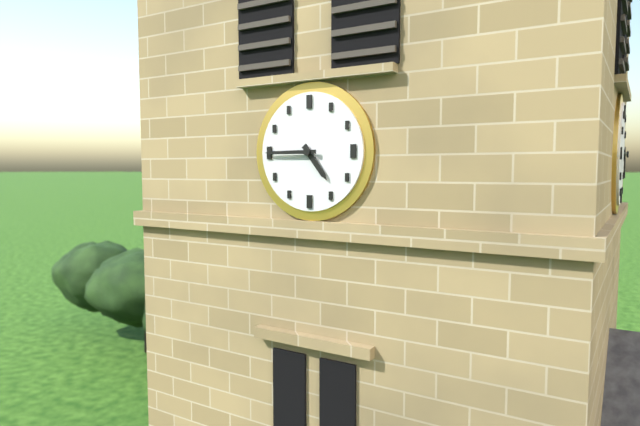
4 h 45 min
